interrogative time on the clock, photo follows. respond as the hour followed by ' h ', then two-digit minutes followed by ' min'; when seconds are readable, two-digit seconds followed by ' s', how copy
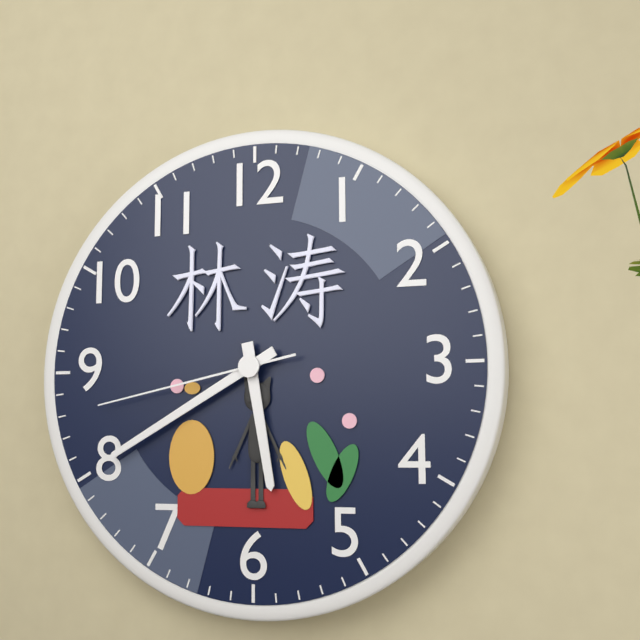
5 h 40 min 43 s
